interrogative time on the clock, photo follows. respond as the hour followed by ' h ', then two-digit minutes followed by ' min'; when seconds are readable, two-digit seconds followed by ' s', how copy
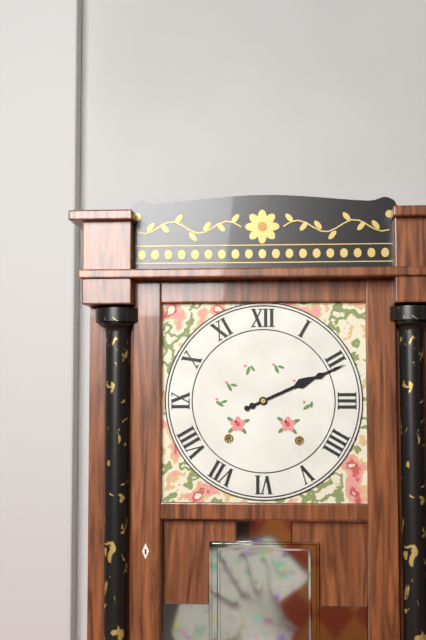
2 h 11 min
